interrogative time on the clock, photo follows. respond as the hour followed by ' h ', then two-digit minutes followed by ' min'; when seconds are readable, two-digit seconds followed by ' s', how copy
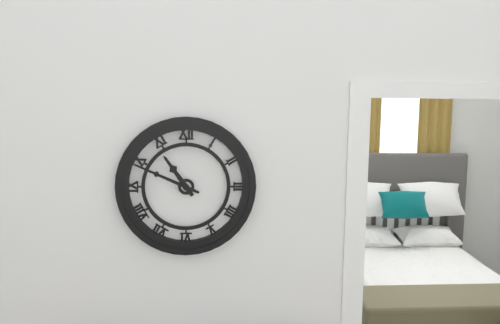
10 h 49 min
